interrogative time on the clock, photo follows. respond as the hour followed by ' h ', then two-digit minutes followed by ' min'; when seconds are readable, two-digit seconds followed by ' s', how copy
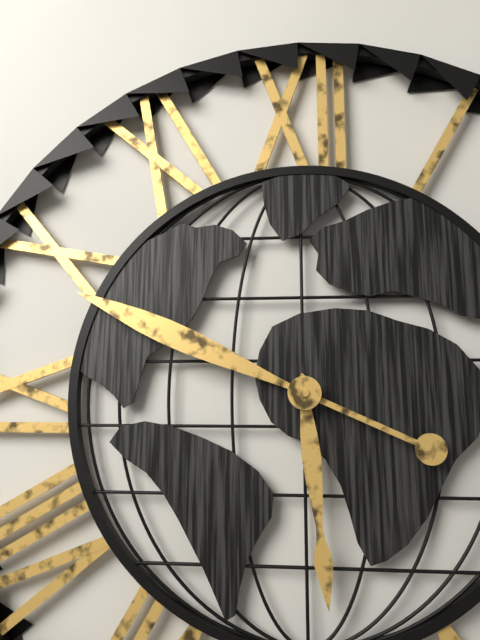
5 h 49 min
